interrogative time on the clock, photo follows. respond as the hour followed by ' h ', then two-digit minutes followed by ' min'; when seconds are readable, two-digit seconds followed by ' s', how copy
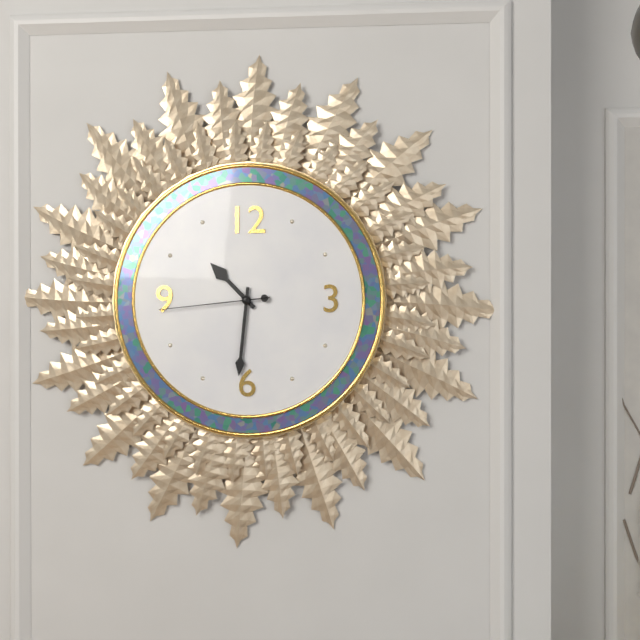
10 h 31 min 44 s
